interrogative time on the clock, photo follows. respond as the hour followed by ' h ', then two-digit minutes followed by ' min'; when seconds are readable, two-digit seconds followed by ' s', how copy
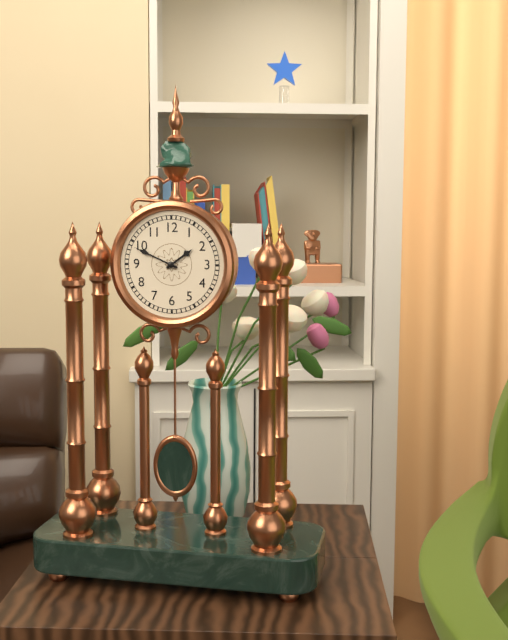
1 h 49 min
